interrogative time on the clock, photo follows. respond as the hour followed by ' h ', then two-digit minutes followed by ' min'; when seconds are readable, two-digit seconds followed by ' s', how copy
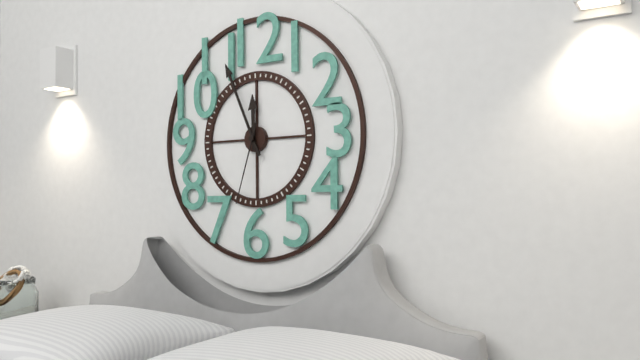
11 h 56 min 33 s
